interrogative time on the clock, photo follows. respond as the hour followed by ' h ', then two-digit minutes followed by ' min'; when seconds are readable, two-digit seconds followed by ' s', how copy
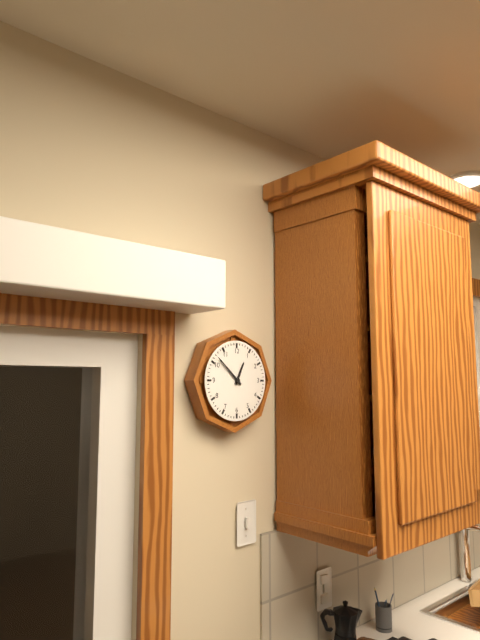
12 h 52 min
